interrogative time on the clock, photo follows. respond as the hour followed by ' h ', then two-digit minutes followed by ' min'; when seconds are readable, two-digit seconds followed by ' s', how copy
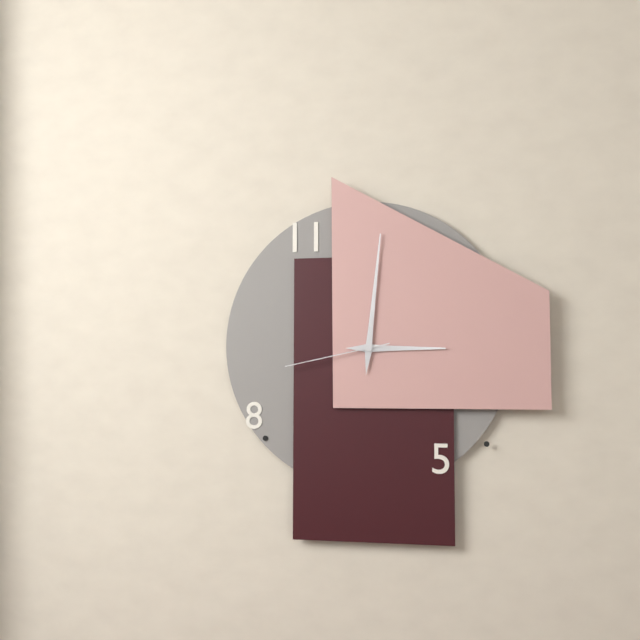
3 h 01 min 43 s
